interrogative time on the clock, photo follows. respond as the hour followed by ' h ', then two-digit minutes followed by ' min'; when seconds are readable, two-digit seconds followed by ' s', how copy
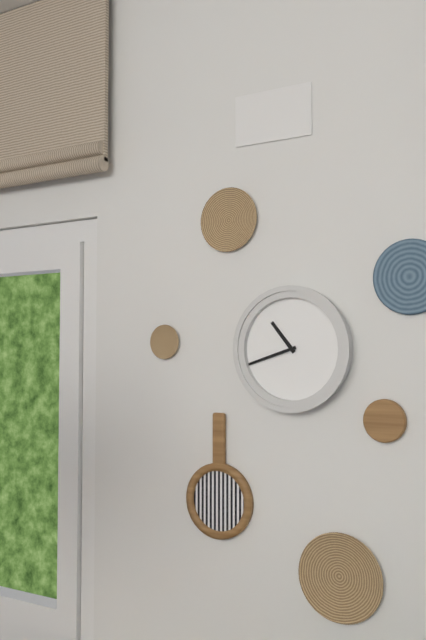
10 h 42 min
